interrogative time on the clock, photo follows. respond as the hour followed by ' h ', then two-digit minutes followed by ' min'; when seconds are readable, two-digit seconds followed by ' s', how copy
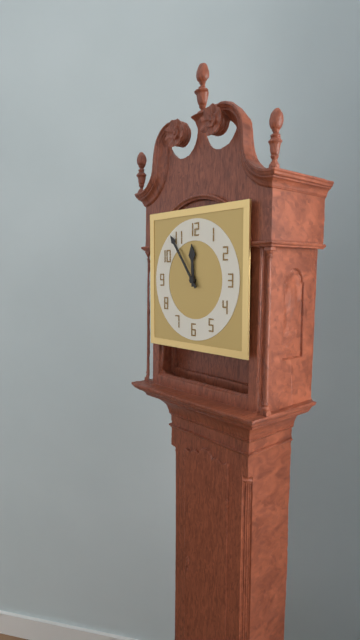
11 h 54 min
